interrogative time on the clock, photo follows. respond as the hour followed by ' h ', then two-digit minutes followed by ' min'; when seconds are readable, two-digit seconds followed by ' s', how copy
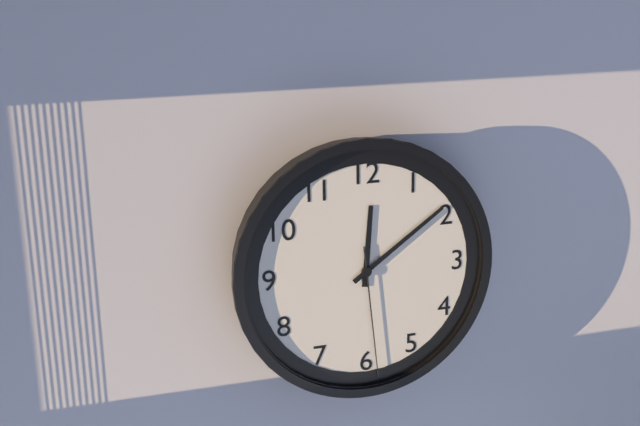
12 h 09 min 29 s
